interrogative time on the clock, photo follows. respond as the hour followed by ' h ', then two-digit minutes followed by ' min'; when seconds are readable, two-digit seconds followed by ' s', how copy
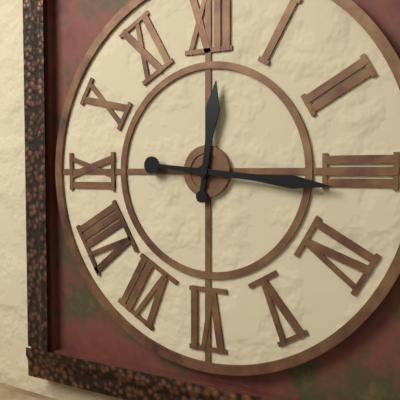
12 h 16 min
